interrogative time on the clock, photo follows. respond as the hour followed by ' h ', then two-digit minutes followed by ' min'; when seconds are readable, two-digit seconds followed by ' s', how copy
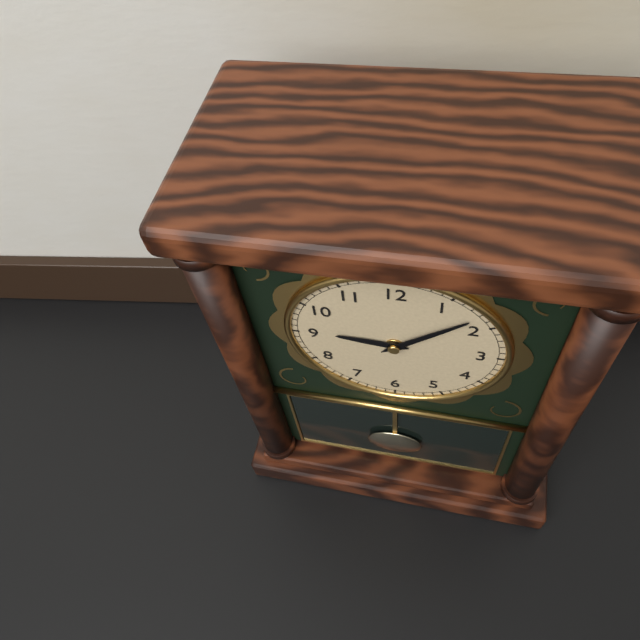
9 h 08 min
